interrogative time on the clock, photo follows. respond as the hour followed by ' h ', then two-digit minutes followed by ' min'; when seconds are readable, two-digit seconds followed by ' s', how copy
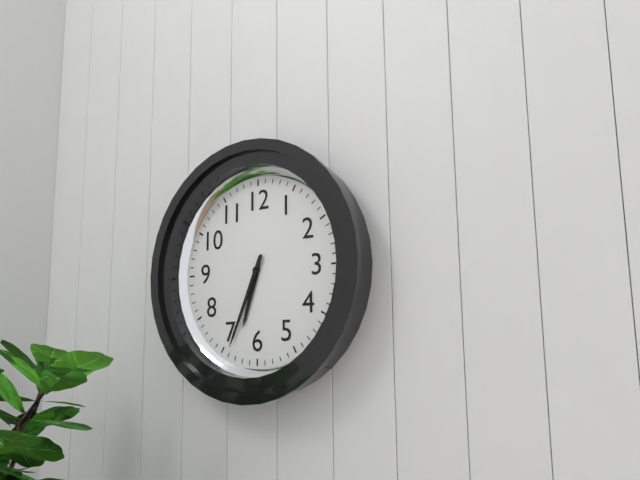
6 h 34 min
